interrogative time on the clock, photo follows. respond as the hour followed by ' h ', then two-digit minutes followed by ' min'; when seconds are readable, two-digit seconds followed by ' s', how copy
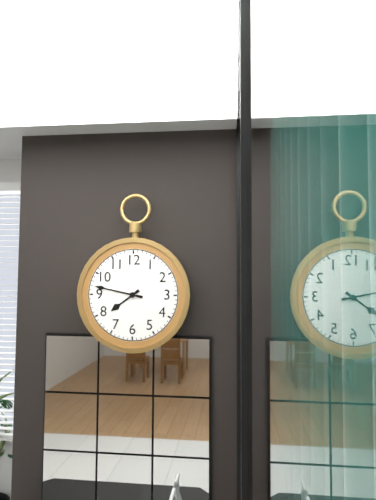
7 h 47 min
